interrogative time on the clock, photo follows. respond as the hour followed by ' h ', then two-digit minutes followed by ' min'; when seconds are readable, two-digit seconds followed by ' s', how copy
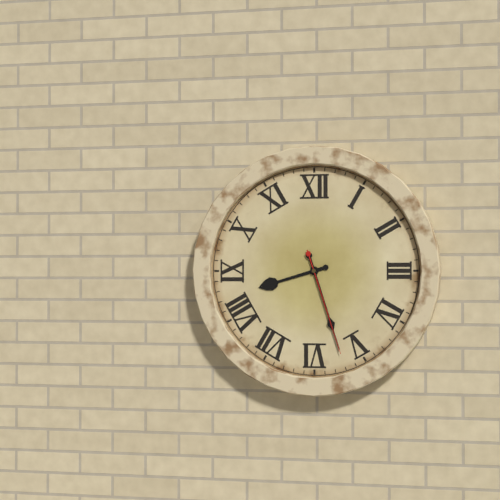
8 h 27 min 27 s
